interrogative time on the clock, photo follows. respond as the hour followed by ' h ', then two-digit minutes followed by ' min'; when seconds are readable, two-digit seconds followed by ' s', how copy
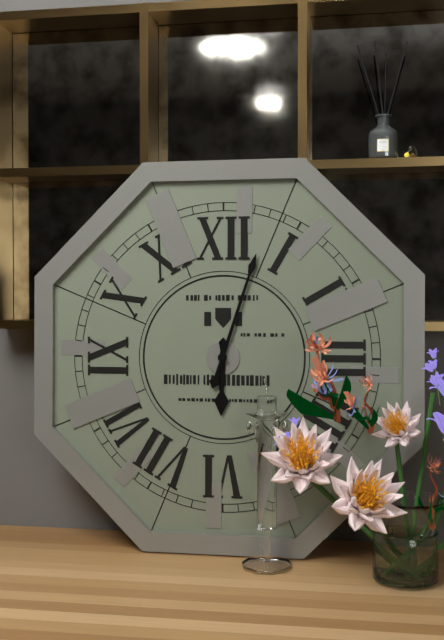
6 h 03 min
